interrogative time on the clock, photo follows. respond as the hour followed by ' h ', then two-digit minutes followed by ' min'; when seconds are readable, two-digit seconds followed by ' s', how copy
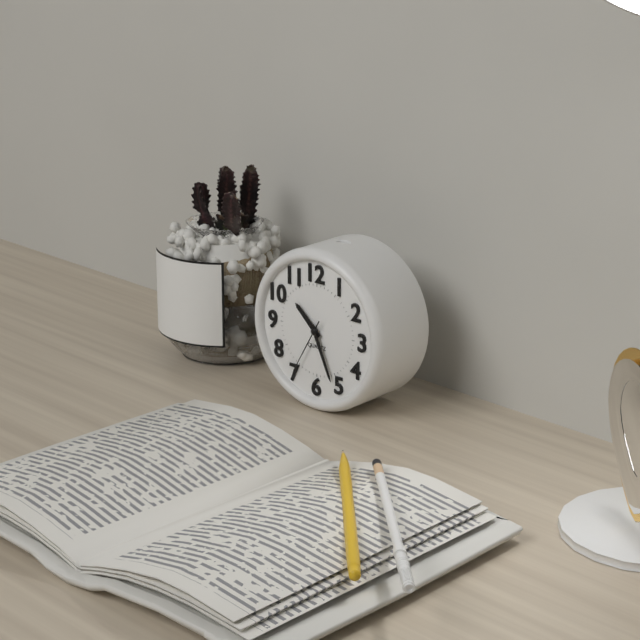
10 h 26 min 35 s
